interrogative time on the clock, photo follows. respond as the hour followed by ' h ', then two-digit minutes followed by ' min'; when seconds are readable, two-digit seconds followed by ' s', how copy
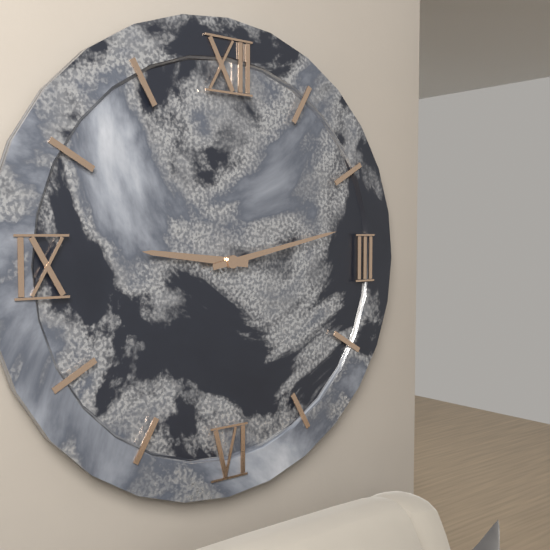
9 h 13 min
